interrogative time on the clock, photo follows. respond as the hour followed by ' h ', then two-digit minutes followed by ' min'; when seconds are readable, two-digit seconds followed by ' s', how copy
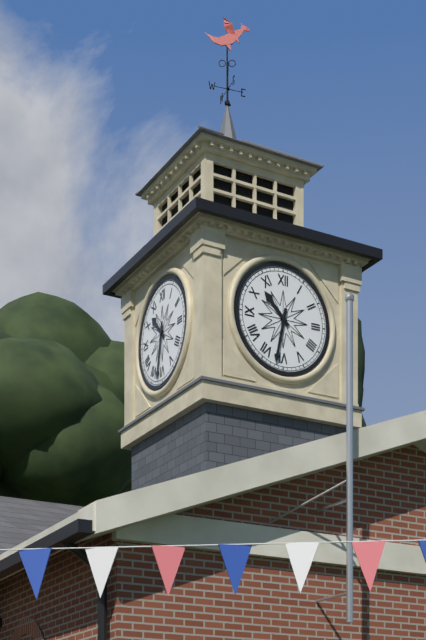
10 h 32 min
